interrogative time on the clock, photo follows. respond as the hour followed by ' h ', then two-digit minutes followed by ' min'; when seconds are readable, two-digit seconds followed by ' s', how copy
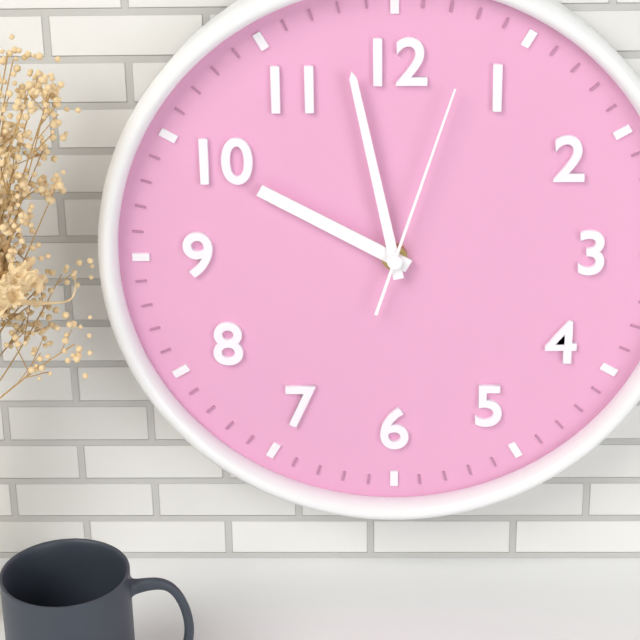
9 h 58 min 03 s
